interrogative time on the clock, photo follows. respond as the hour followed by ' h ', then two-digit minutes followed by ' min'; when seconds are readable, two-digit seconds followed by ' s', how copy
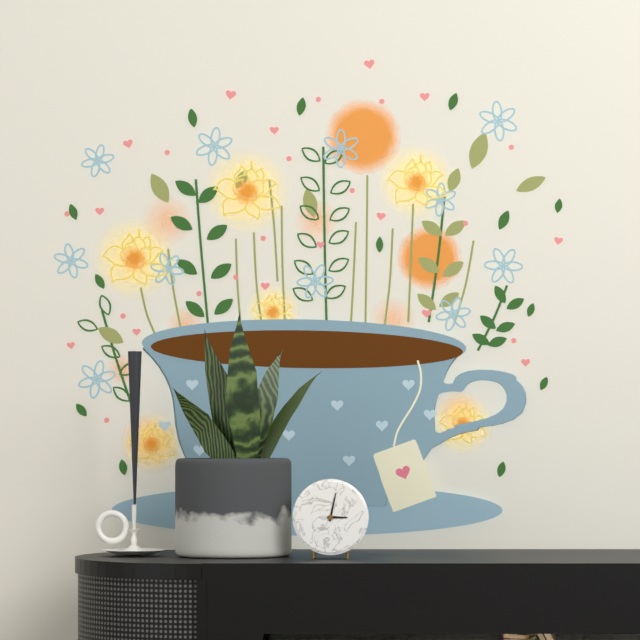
3 h 02 min
